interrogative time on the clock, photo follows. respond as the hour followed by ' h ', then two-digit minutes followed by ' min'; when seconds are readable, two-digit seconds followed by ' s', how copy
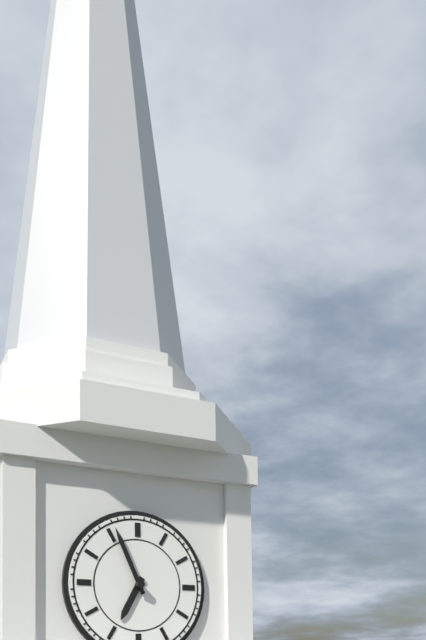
6 h 56 min
